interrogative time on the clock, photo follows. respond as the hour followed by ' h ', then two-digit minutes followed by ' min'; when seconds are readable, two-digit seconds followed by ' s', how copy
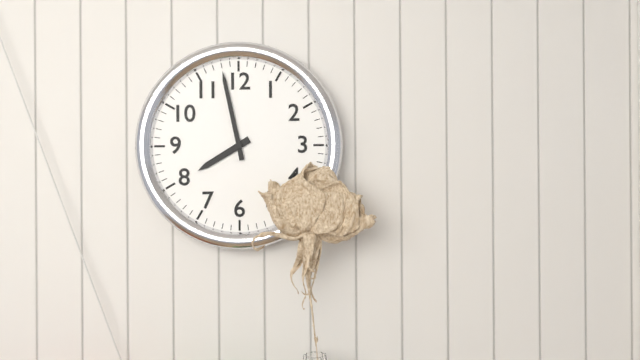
7 h 58 min
